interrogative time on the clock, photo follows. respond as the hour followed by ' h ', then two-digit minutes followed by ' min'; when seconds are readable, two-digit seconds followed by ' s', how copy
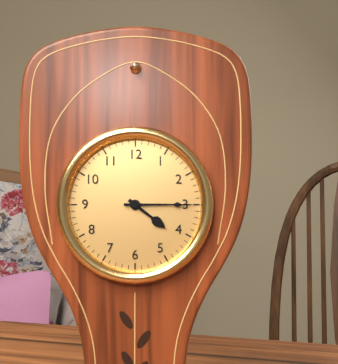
4 h 15 min
